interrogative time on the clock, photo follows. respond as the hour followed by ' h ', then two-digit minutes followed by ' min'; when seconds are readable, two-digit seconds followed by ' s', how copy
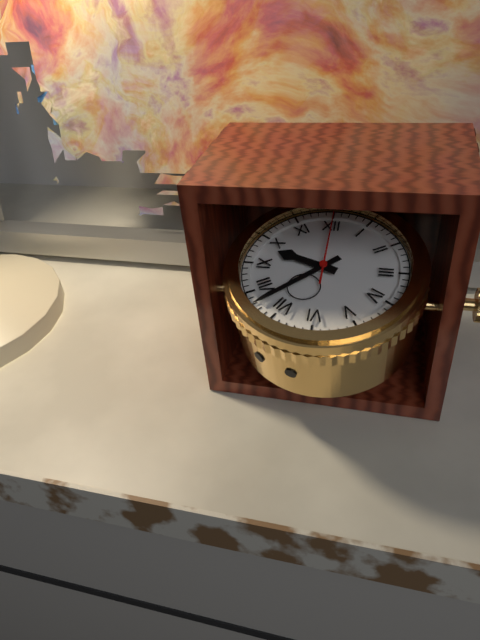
9 h 38 min 00 s
